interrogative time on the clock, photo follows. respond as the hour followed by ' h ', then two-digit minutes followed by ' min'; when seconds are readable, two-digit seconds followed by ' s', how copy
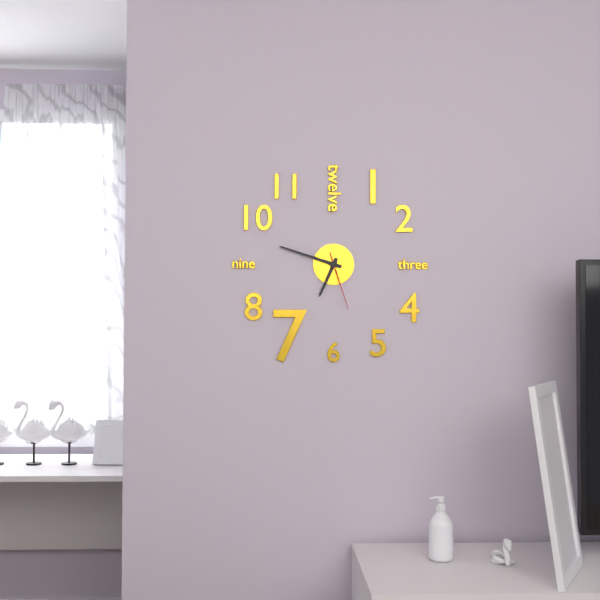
6 h 48 min 27 s
